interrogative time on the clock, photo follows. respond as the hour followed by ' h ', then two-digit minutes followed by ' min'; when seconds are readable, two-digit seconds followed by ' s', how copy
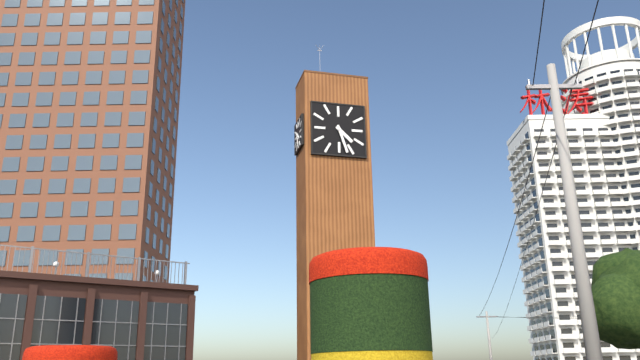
4 h 27 min
